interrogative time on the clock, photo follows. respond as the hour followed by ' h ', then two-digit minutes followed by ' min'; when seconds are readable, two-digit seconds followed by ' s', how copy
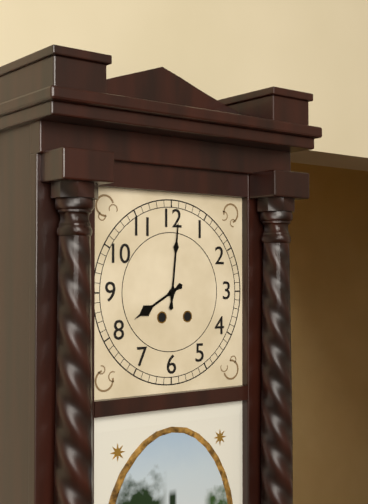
8 h 01 min
